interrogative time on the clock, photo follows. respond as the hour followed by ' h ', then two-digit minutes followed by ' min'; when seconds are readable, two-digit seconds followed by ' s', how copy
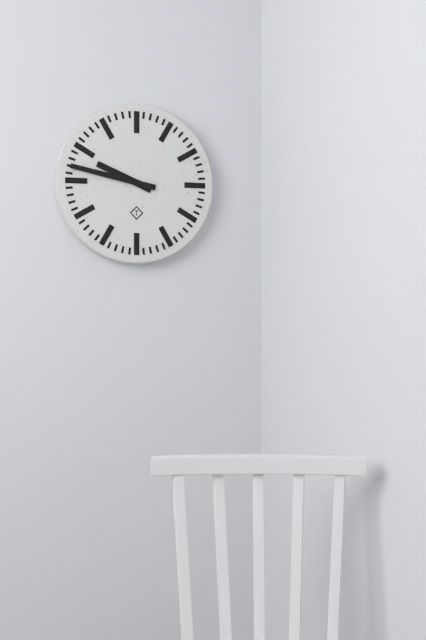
9 h 47 min
